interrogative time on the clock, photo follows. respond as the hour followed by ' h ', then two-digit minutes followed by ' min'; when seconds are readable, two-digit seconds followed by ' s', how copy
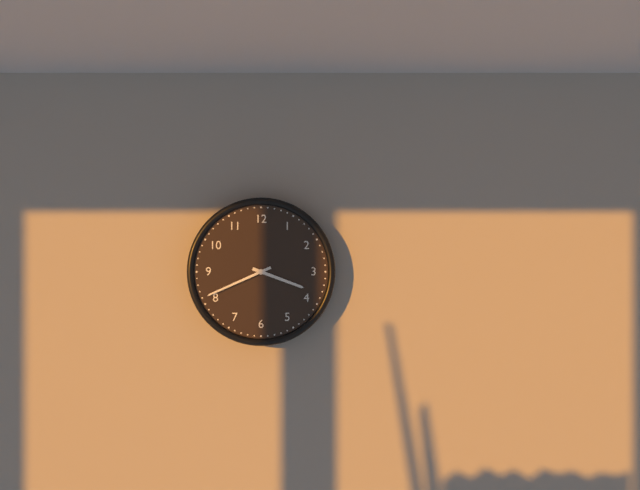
3 h 41 min
